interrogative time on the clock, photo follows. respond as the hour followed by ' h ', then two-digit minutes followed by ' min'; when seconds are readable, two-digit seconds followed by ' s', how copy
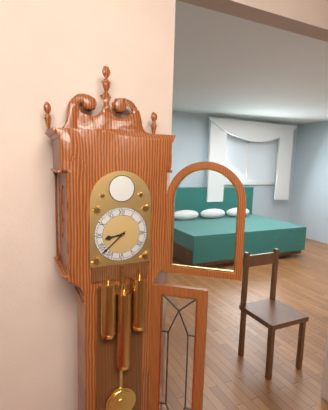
8 h 38 min
